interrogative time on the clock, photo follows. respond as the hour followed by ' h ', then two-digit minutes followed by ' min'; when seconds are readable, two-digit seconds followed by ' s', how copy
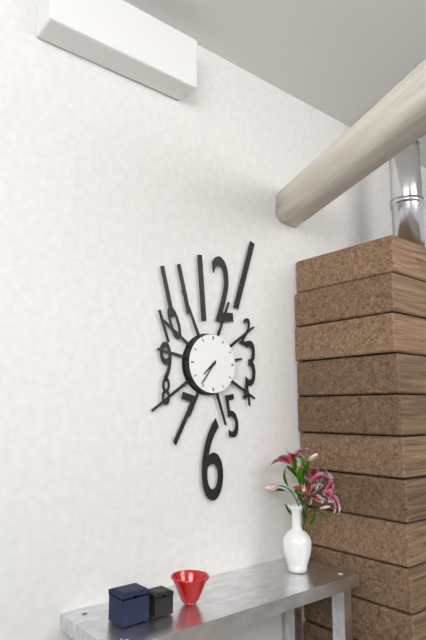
7 h 36 min
